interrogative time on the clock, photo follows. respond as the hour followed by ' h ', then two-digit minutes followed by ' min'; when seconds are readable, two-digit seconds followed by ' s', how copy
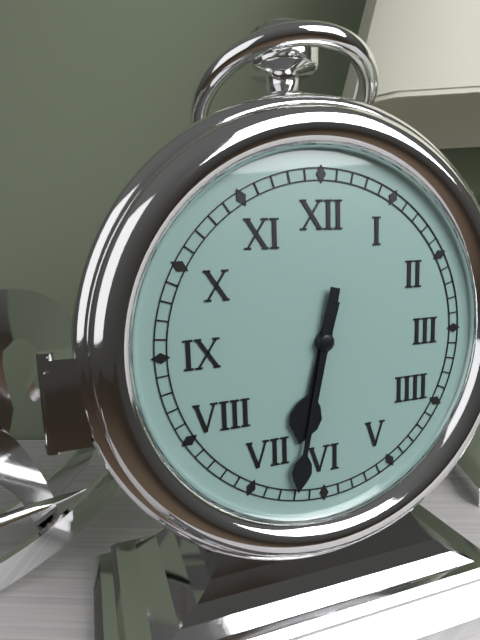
6 h 32 min
